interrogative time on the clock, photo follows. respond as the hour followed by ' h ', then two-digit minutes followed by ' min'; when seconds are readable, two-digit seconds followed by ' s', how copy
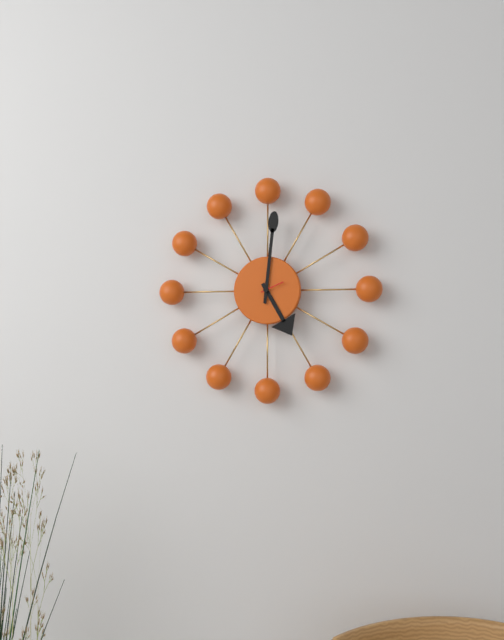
5 h 01 min
